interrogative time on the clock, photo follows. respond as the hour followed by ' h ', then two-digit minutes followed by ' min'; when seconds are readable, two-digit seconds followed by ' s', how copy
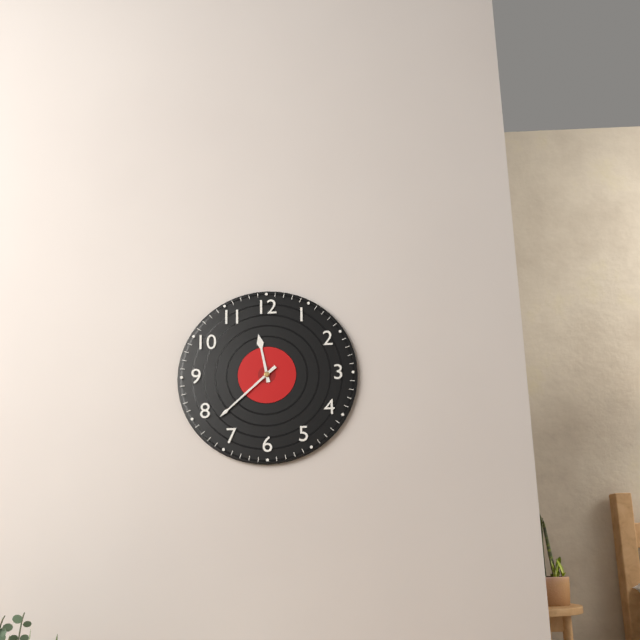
11 h 38 min
